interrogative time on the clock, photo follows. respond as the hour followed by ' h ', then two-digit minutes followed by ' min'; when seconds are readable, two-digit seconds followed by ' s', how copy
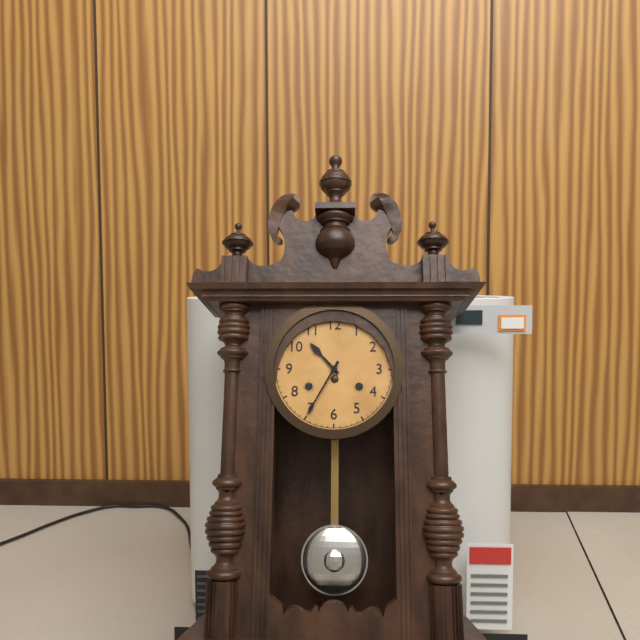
10 h 35 min
